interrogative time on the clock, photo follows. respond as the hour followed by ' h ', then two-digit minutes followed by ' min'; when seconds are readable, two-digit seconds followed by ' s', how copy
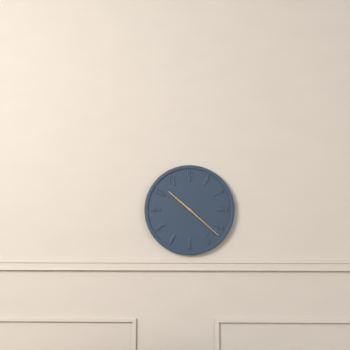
10 h 22 min
